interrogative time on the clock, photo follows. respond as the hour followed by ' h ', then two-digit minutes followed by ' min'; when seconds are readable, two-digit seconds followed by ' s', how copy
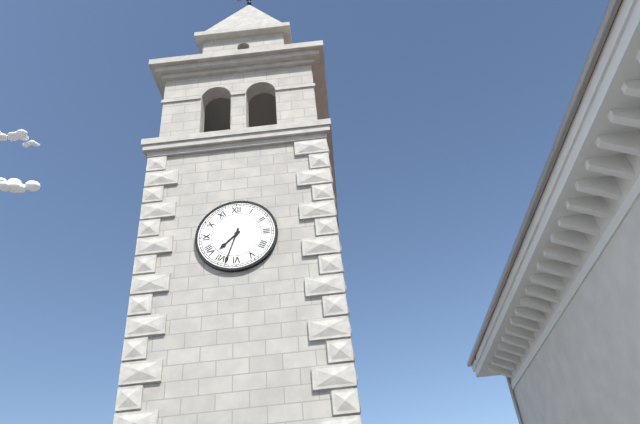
7 h 33 min
